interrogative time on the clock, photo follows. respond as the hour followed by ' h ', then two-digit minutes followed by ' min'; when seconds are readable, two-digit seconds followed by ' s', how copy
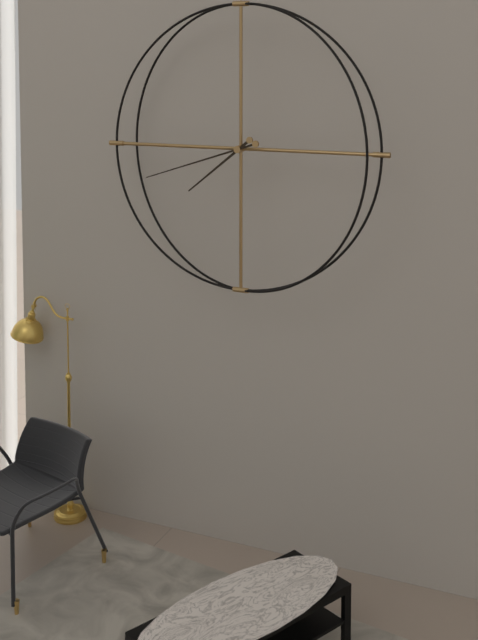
7 h 42 min
